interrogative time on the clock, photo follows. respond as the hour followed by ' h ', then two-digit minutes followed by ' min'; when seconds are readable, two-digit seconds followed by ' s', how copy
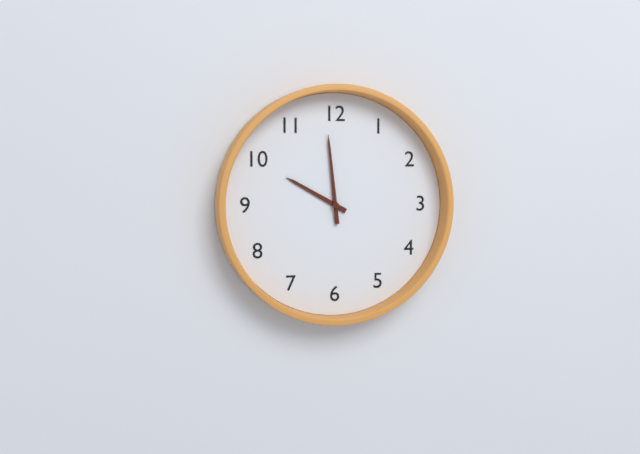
9 h 59 min
